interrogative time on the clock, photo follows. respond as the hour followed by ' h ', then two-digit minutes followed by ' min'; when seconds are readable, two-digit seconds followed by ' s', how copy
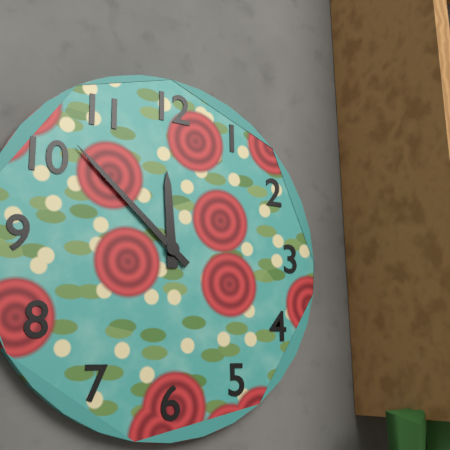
11 h 52 min
